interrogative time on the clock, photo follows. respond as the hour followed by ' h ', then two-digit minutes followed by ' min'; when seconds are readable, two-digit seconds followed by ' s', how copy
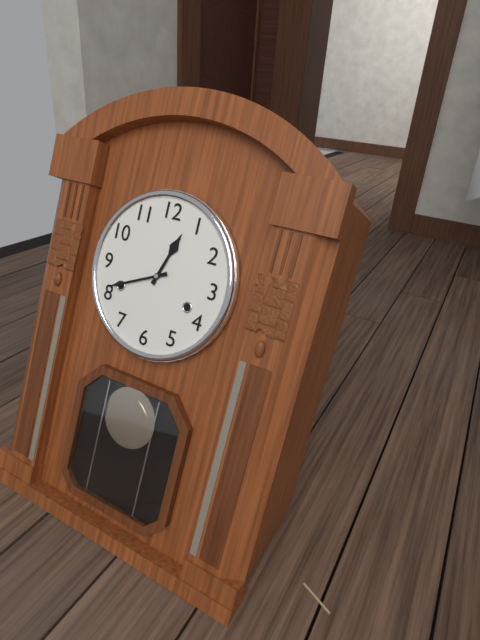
12 h 41 min
